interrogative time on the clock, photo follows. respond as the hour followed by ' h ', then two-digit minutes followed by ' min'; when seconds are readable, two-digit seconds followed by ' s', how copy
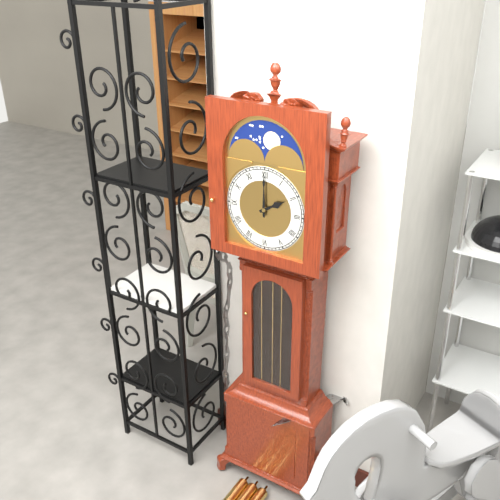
2 h 00 min
